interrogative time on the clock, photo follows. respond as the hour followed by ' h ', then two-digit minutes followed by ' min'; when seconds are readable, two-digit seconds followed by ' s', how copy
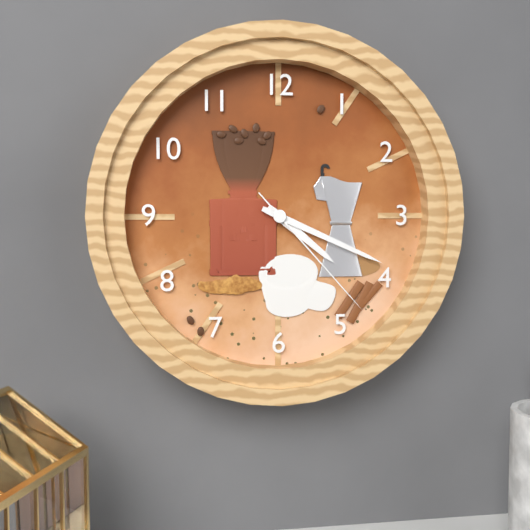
4 h 19 min 23 s
